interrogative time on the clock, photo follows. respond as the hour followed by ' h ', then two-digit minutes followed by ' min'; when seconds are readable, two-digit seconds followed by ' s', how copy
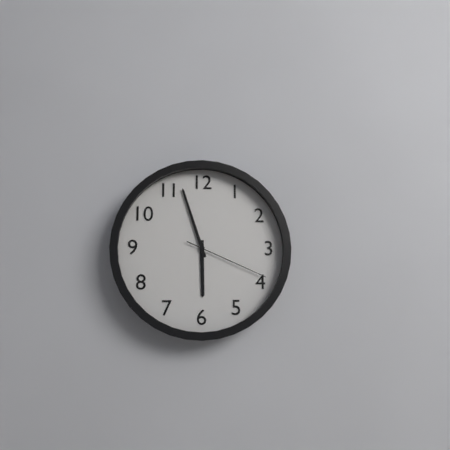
5 h 57 min 19 s
